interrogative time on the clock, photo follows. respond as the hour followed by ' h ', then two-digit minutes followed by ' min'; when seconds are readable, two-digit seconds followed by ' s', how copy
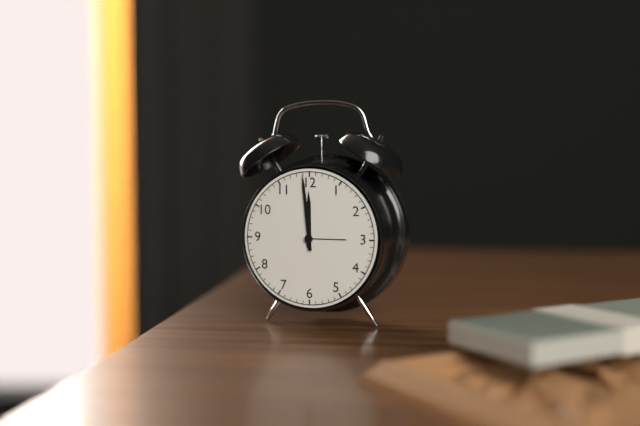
11 h 59 min
